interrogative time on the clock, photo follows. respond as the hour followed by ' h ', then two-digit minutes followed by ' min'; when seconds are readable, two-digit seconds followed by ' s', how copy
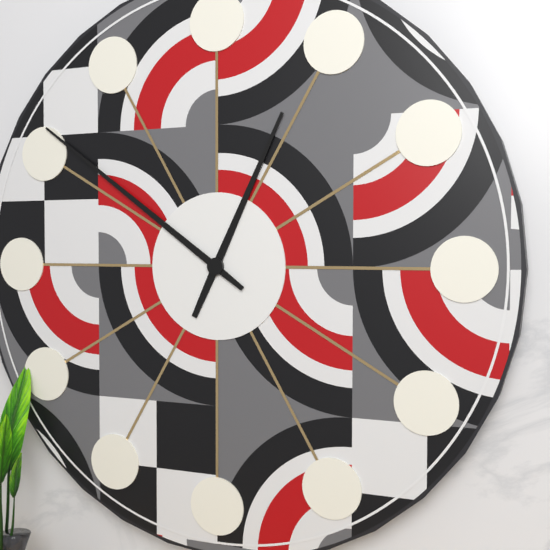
12 h 51 min
